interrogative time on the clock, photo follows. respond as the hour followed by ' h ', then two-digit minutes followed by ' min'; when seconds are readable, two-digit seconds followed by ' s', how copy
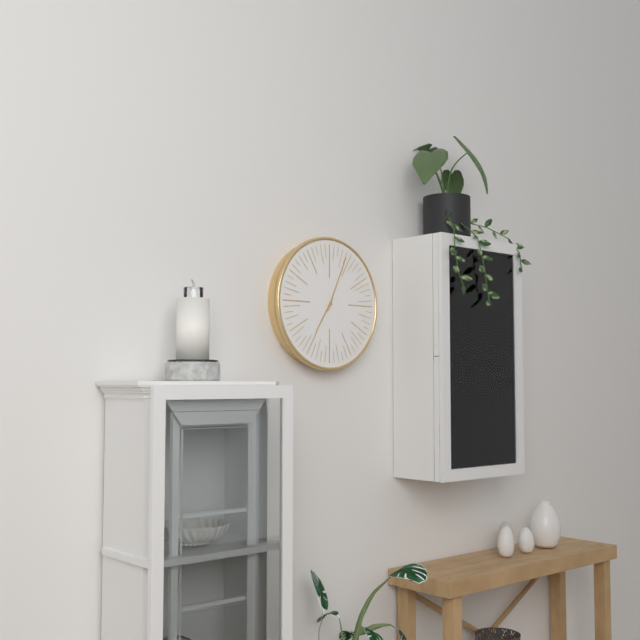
7 h 04 min
